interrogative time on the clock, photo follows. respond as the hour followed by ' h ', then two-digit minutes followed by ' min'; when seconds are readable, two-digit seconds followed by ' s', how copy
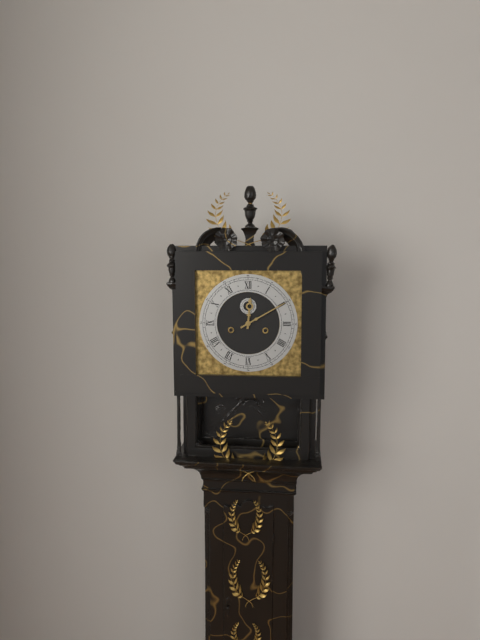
12 h 10 min
